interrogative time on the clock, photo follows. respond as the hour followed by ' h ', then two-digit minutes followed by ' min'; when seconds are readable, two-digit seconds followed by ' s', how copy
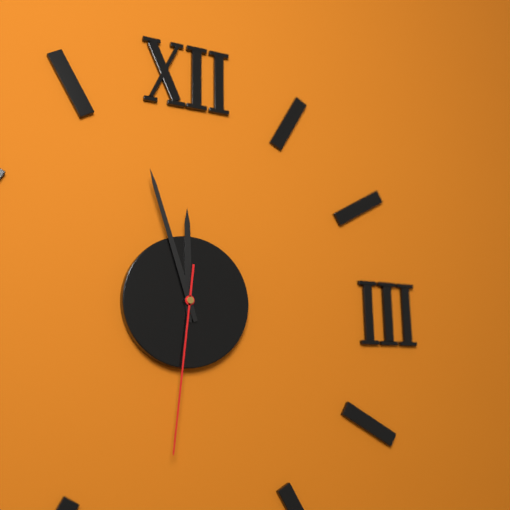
11 h 57 min 31 s
